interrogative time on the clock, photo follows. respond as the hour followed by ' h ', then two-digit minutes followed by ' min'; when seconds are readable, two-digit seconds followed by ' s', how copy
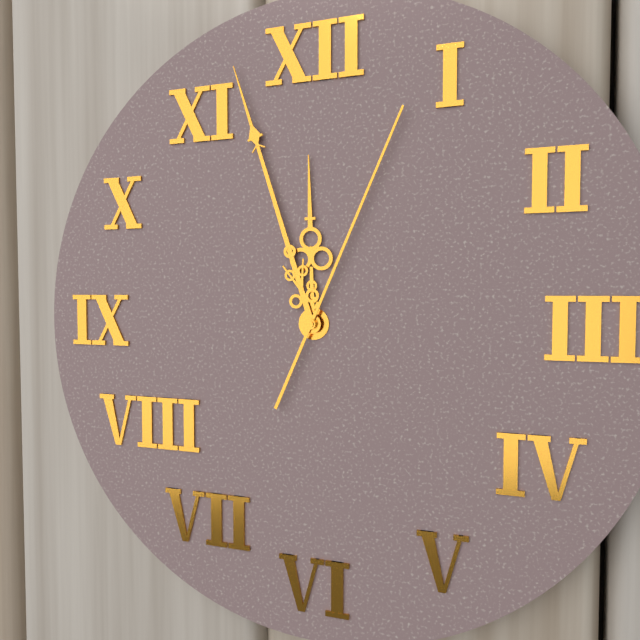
11 h 57 min 04 s
